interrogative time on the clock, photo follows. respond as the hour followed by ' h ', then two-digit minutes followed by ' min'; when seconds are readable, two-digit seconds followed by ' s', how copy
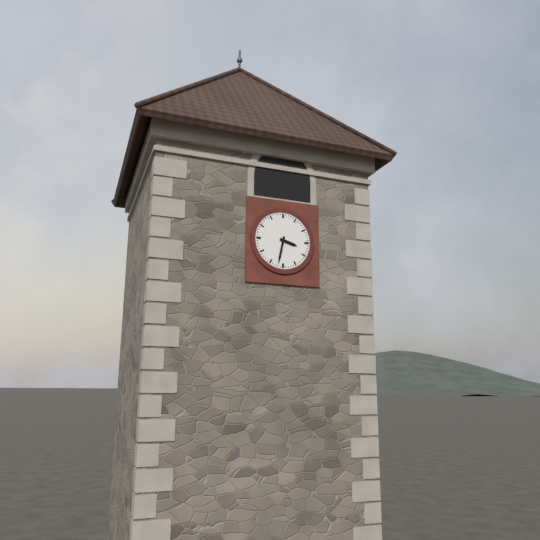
3 h 32 min
